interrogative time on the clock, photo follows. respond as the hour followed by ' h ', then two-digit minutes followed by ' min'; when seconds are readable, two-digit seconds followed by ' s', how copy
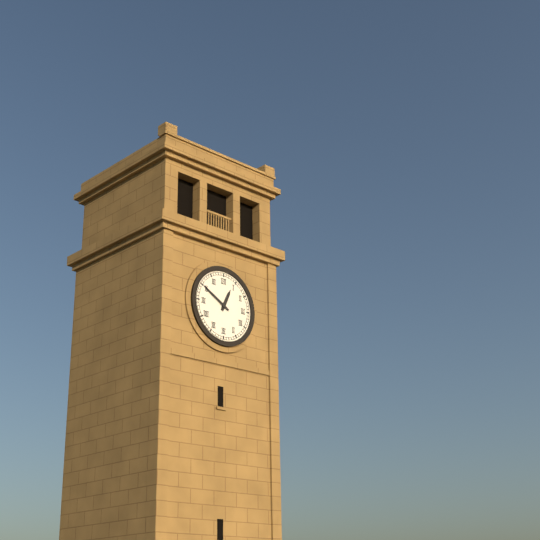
12 h 50 min
